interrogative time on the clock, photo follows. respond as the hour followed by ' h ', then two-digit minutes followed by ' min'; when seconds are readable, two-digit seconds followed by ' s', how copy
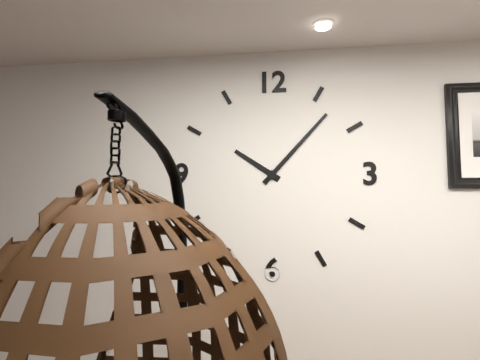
10 h 07 min
